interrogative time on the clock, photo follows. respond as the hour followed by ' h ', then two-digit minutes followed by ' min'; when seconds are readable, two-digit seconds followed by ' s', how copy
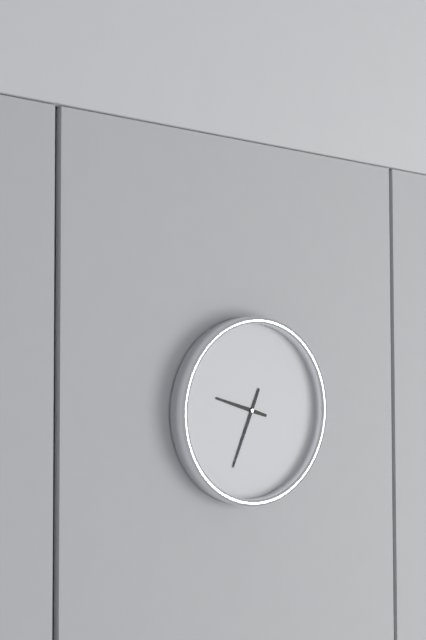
9 h 34 min
